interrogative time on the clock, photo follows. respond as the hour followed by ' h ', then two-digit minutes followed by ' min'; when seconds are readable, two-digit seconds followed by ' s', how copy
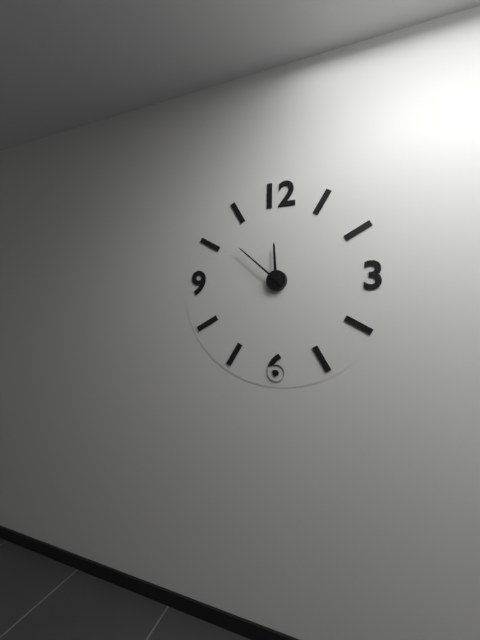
11 h 52 min
